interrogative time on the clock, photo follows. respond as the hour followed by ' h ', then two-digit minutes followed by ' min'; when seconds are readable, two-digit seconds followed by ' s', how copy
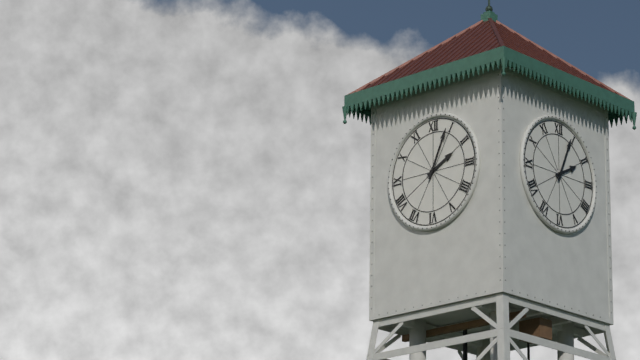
2 h 04 min
